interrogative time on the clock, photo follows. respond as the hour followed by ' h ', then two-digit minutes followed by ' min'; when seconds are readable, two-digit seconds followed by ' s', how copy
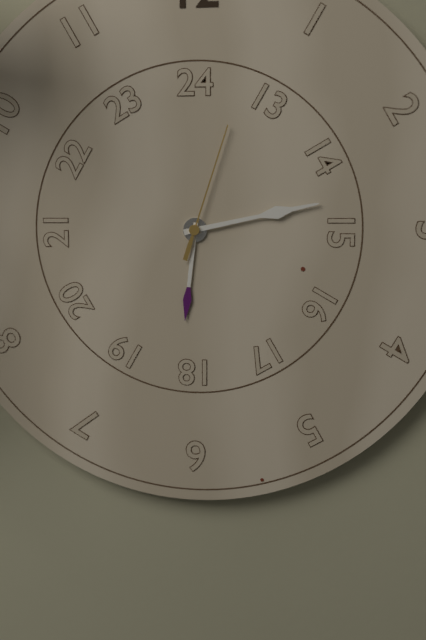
6 h 13 min 03 s
